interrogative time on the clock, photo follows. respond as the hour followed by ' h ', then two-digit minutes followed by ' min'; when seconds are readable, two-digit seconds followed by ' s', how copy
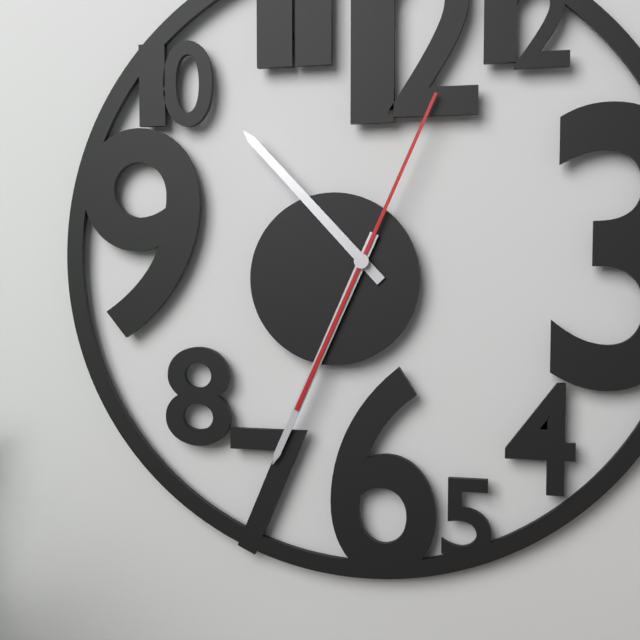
10 h 34 min 04 s
